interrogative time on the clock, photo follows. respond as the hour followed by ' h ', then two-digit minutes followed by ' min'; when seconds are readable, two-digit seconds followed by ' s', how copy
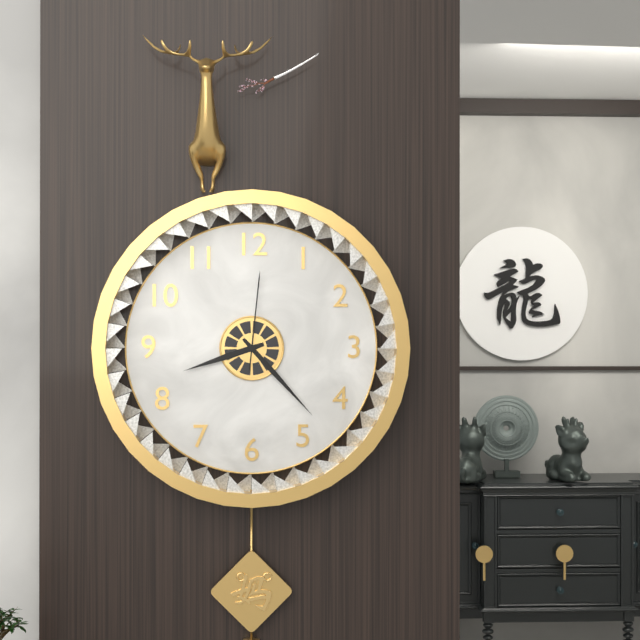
8 h 23 min 01 s
